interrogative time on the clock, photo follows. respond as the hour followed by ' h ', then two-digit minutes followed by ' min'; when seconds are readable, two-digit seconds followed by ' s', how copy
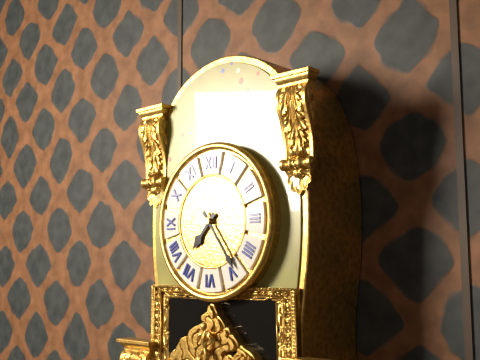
7 h 24 min
